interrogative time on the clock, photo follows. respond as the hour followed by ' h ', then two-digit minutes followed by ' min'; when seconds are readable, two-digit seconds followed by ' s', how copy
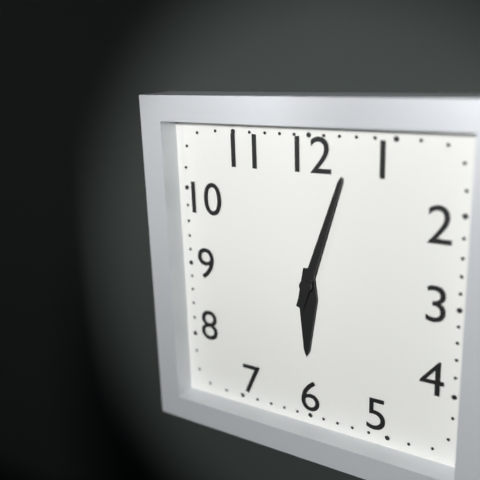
6 h 03 min
